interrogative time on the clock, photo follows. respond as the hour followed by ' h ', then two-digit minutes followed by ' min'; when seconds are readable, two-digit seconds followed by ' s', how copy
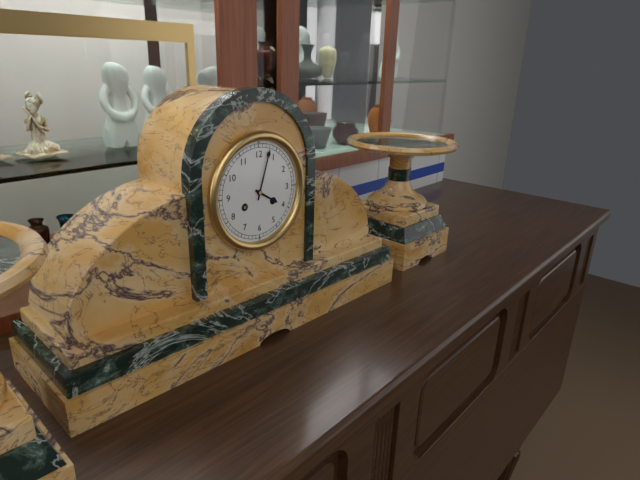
4 h 03 min
